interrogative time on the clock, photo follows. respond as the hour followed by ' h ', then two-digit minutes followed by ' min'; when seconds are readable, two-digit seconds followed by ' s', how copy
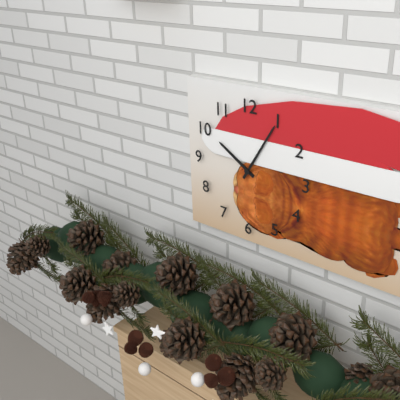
10 h 05 min
